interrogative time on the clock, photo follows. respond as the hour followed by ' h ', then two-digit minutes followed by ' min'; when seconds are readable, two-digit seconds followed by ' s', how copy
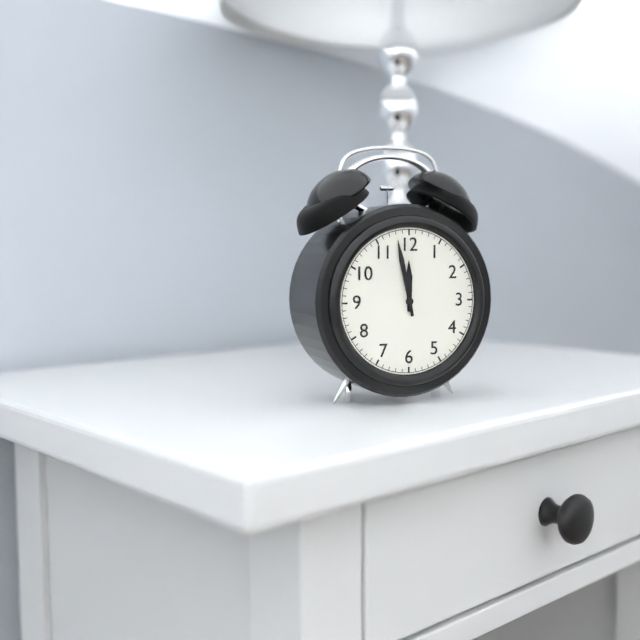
11 h 58 min
